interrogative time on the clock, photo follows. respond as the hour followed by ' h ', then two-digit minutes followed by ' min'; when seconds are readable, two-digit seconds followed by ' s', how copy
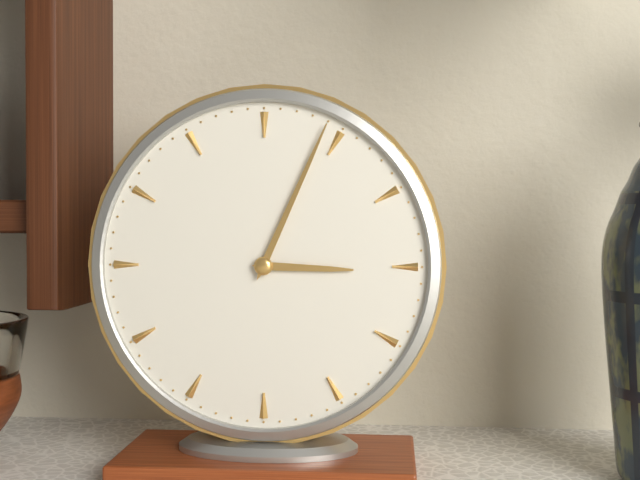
3 h 04 min
